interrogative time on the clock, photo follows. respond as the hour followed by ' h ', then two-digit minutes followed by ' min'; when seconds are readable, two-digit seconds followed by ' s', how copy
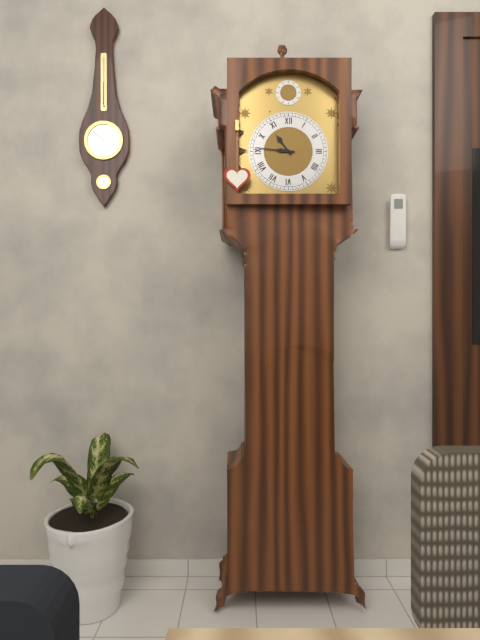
10 h 46 min
